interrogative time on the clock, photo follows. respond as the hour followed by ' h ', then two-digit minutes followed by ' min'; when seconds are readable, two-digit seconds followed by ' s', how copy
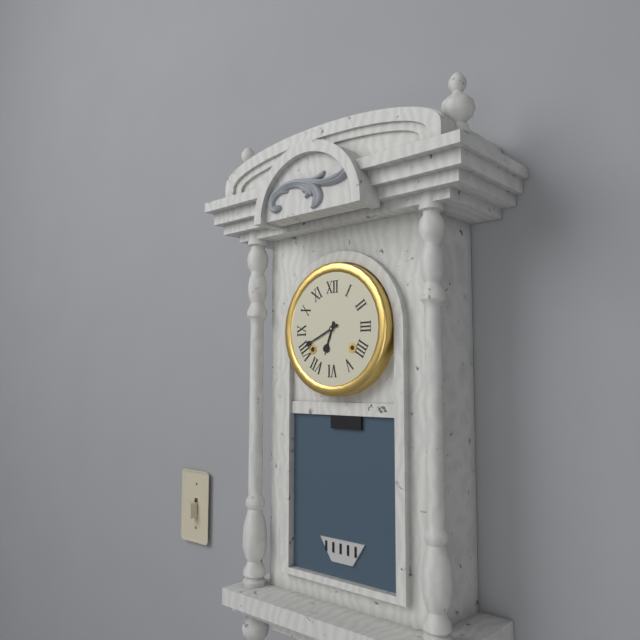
6 h 41 min
